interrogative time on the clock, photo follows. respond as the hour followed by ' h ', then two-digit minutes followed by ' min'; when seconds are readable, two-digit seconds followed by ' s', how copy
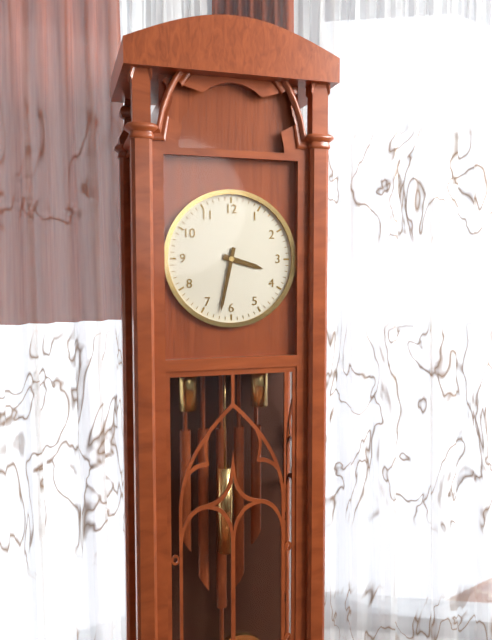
3 h 32 min
